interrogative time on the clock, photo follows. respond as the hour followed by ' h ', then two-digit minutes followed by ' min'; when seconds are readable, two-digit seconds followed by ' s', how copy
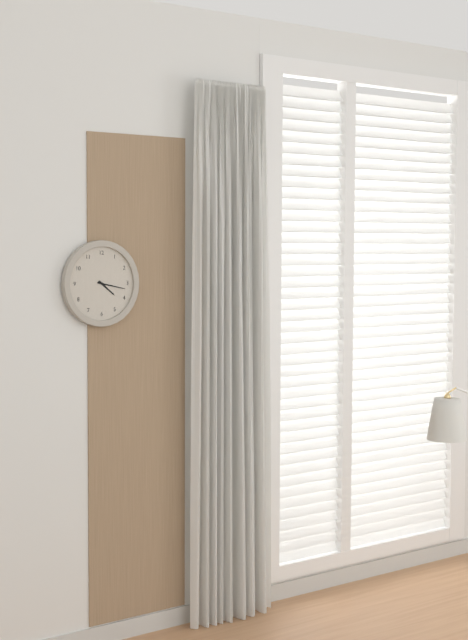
4 h 17 min
